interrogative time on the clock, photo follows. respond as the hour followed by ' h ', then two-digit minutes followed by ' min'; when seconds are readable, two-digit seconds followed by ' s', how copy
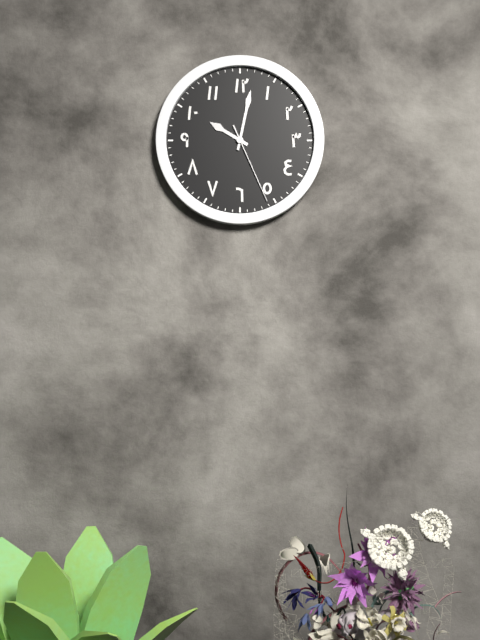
10 h 02 min 26 s
